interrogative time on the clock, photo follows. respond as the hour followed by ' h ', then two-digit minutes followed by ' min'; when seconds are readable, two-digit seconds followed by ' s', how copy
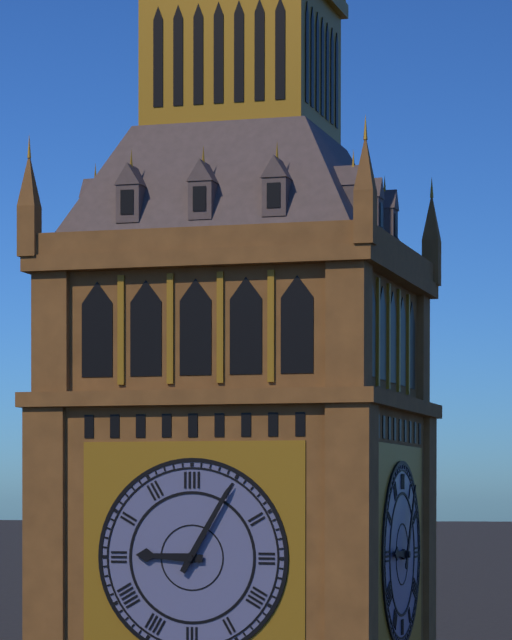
9 h 05 min
